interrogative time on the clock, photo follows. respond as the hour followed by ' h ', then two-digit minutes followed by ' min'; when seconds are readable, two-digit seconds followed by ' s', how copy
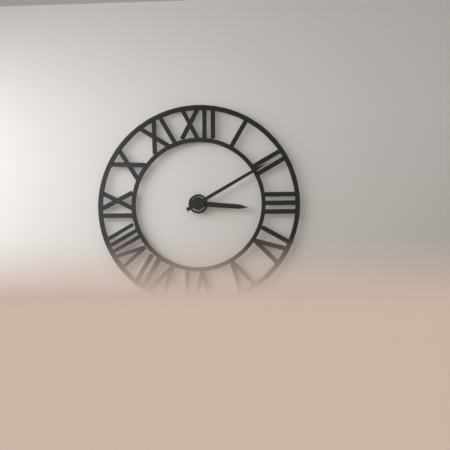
3 h 10 min
